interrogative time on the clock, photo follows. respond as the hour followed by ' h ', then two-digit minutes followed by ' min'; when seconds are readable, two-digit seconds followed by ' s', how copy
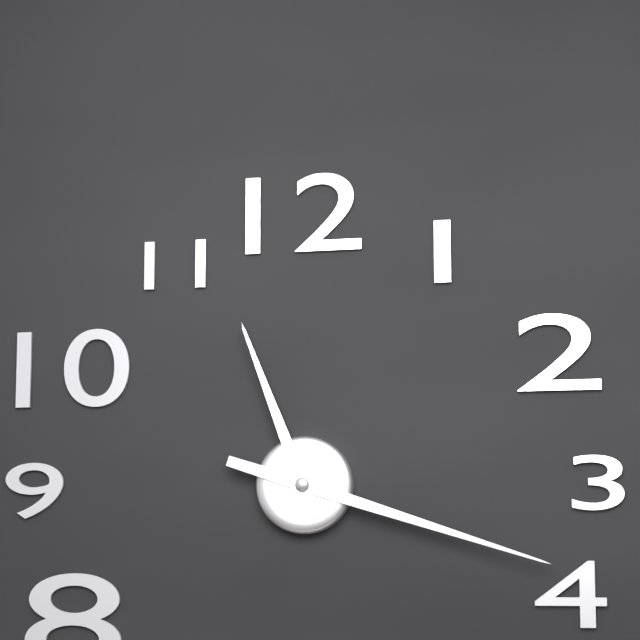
11 h 18 min
